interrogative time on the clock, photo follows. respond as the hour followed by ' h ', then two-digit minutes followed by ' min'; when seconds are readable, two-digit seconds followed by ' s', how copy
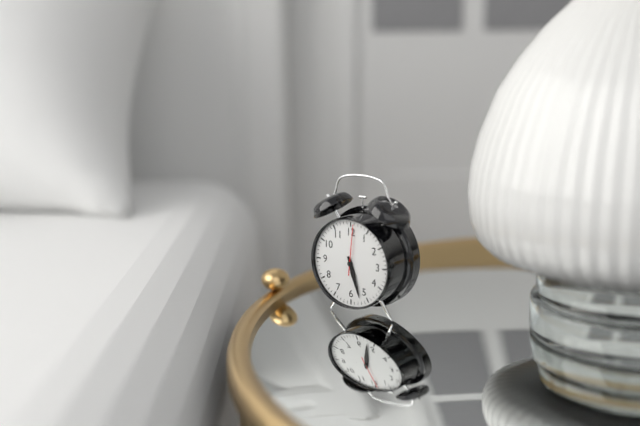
5 h 27 min
